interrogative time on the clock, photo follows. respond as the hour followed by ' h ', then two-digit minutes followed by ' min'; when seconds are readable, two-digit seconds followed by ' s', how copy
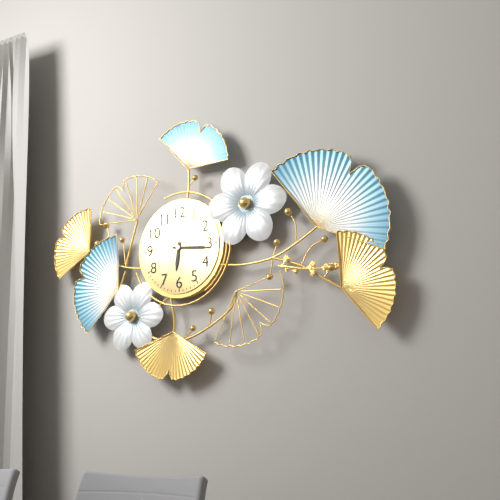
6 h 16 min
